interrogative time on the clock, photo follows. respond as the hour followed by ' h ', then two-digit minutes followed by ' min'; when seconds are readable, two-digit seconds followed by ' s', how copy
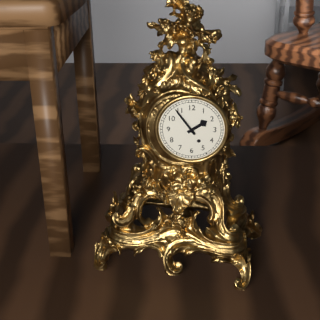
1 h 54 min
